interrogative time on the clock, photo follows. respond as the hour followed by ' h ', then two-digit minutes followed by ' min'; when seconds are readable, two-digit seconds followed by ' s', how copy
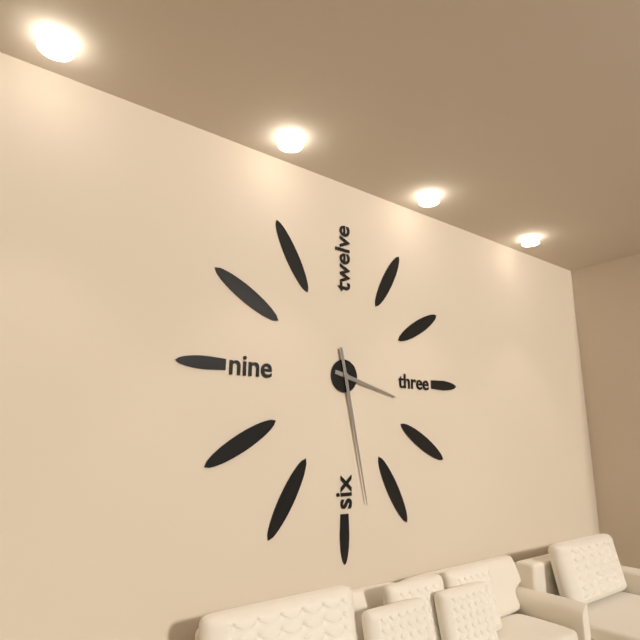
3 h 28 min
